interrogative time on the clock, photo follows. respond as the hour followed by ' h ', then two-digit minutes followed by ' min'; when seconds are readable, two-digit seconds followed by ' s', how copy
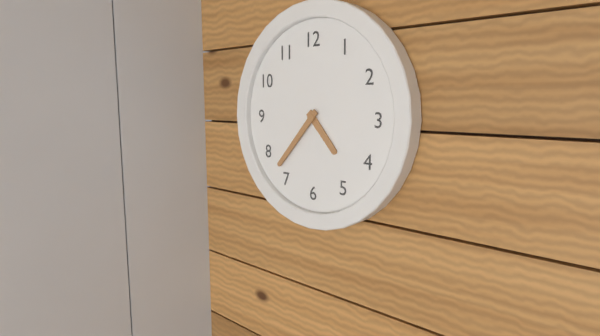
4 h 37 min
